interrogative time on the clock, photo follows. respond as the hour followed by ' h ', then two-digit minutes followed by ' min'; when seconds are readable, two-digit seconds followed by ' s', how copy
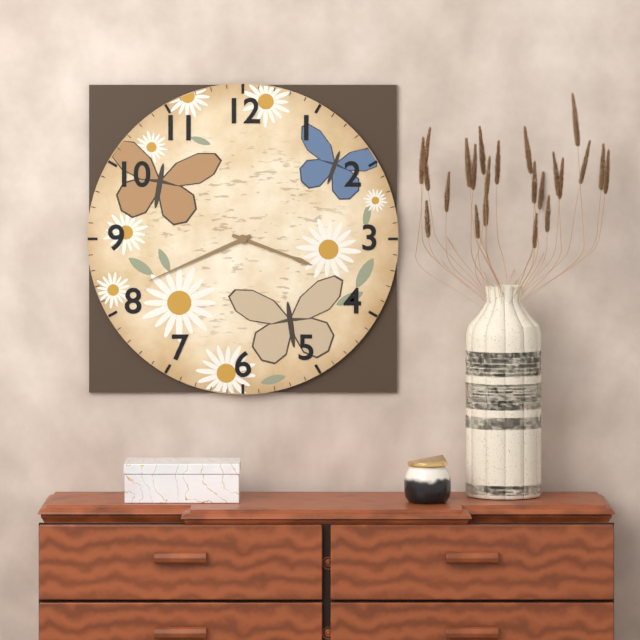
3 h 41 min
